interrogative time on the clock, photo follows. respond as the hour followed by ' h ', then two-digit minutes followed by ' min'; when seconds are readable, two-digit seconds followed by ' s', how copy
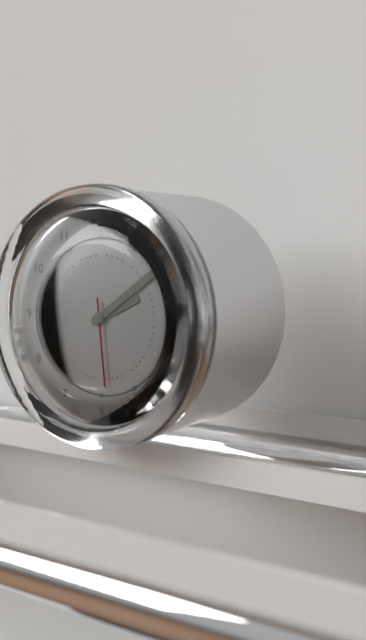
2 h 09 min 29 s
